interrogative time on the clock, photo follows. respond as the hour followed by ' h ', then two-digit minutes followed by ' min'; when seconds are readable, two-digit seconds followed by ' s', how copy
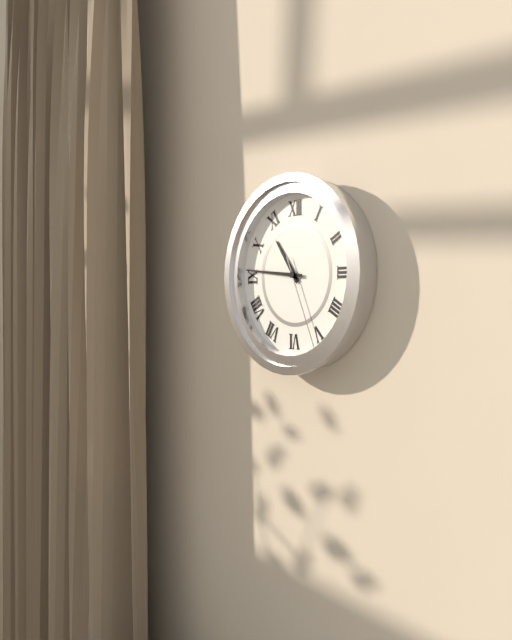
10 h 46 min 26 s
